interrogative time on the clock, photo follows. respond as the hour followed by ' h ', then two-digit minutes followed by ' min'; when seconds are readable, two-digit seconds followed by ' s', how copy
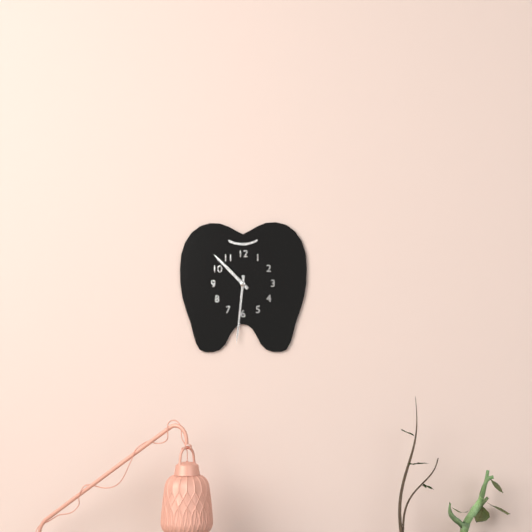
10 h 31 min
